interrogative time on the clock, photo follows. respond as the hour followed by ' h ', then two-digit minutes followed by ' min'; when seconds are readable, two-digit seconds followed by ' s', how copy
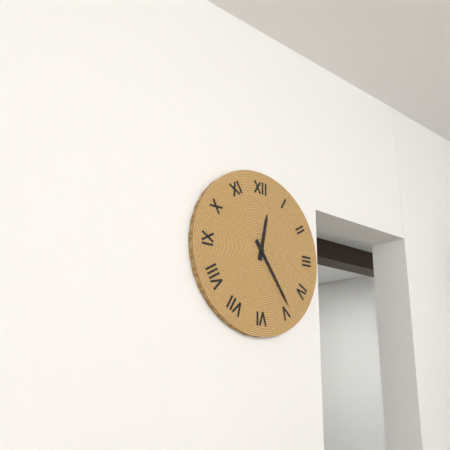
12 h 24 min
